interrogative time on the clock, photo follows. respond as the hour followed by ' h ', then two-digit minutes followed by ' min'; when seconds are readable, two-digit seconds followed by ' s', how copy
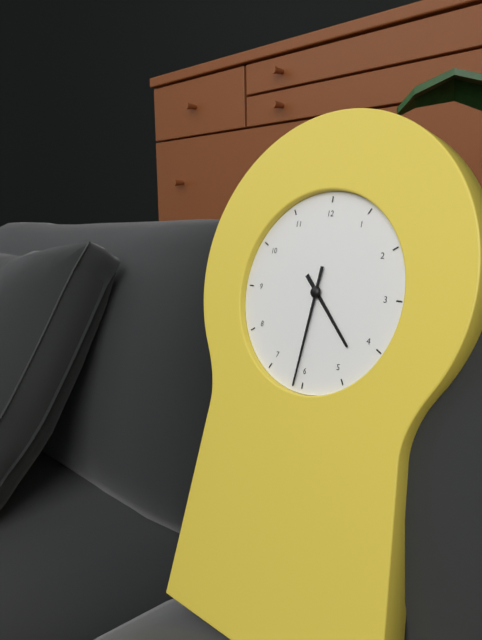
4 h 31 min
